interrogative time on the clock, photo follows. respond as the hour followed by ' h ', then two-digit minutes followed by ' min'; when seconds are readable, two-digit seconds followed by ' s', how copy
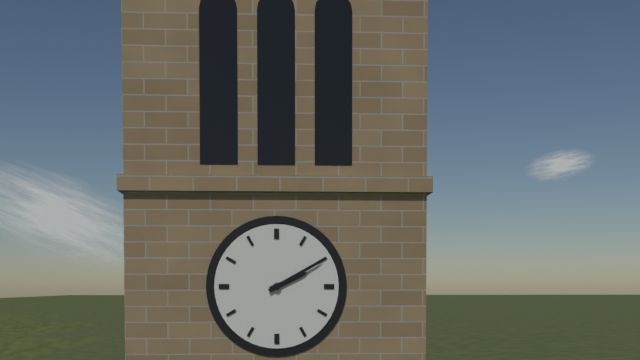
2 h 10 min
